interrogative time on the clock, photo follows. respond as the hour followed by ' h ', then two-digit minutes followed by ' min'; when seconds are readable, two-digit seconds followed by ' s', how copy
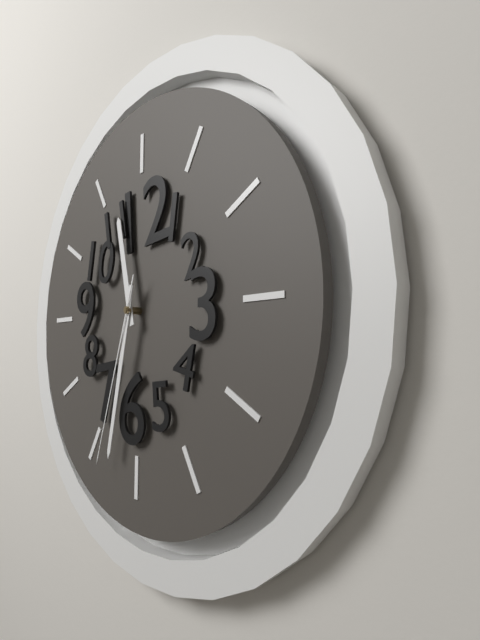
11 h 32 min 33 s
